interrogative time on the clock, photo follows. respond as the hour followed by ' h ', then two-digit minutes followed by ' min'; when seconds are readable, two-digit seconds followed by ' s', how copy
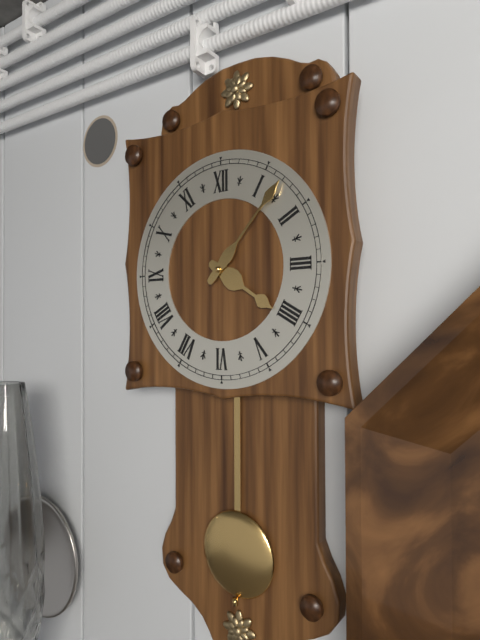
4 h 07 min
